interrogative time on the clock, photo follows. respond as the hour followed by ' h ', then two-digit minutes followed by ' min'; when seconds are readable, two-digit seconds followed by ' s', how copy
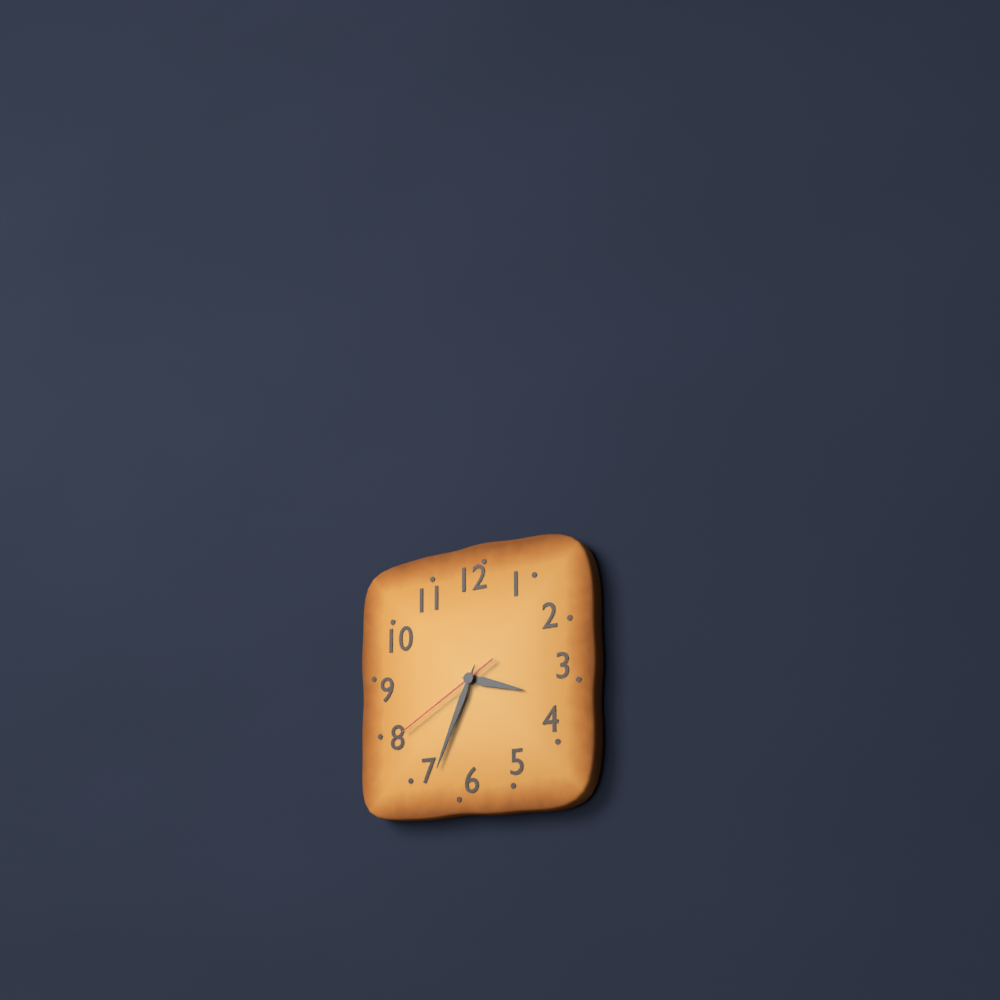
3 h 34 min 40 s
